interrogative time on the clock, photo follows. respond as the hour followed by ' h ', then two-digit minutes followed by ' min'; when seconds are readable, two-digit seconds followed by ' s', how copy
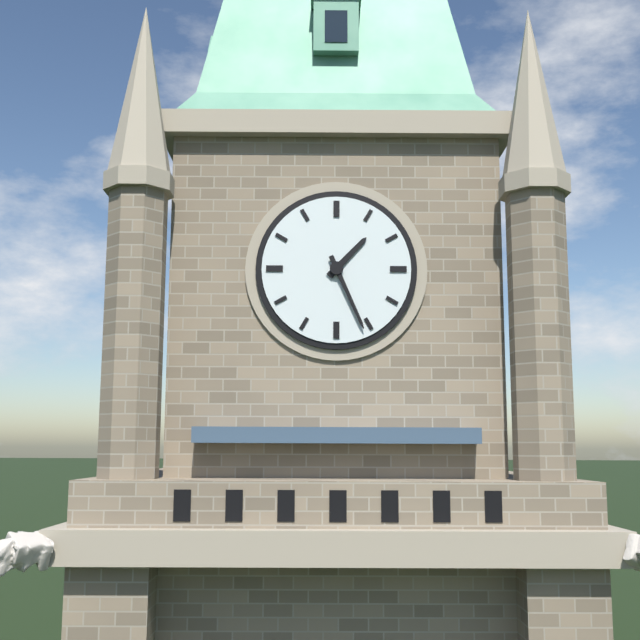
1 h 26 min
